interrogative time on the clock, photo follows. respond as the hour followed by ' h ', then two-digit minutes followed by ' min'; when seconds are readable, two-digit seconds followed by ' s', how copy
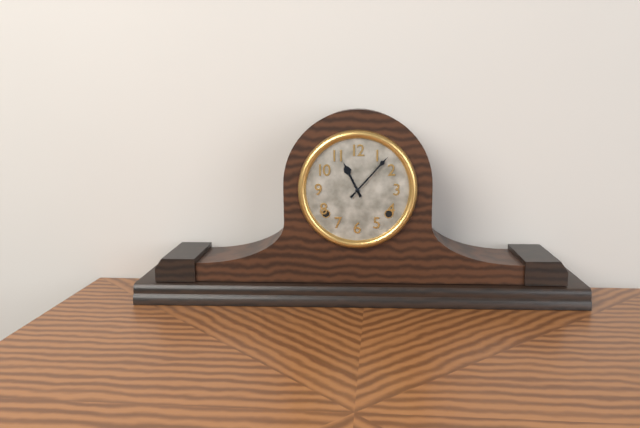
11 h 07 min
